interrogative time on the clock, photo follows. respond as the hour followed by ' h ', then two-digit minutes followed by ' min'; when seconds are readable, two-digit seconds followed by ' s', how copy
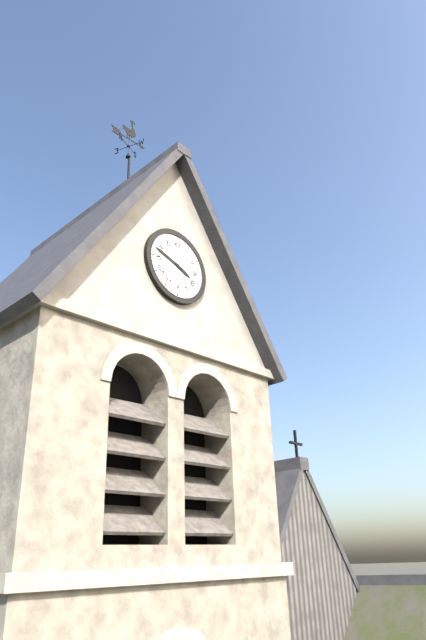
3 h 48 min
